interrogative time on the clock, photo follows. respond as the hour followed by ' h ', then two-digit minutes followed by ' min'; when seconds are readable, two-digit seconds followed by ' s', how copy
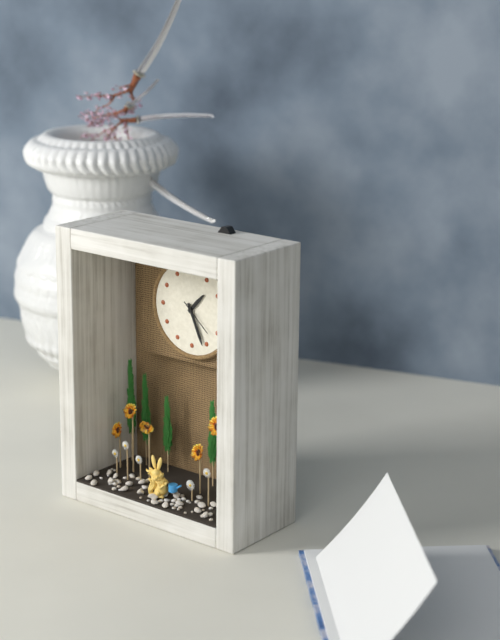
1 h 26 min
